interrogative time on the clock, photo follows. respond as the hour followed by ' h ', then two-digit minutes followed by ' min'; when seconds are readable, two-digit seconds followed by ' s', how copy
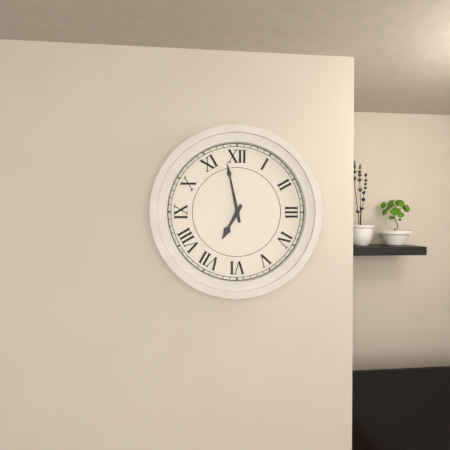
6 h 58 min
